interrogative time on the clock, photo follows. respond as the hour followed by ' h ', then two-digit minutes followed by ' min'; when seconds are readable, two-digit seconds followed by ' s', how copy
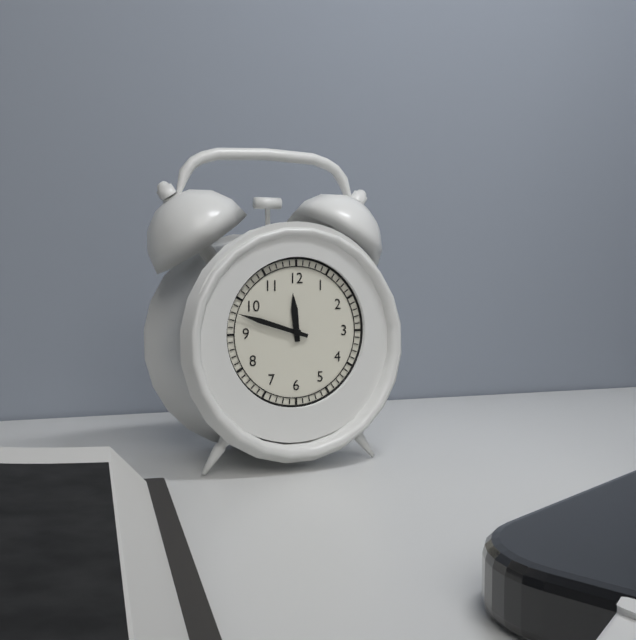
11 h 48 min
